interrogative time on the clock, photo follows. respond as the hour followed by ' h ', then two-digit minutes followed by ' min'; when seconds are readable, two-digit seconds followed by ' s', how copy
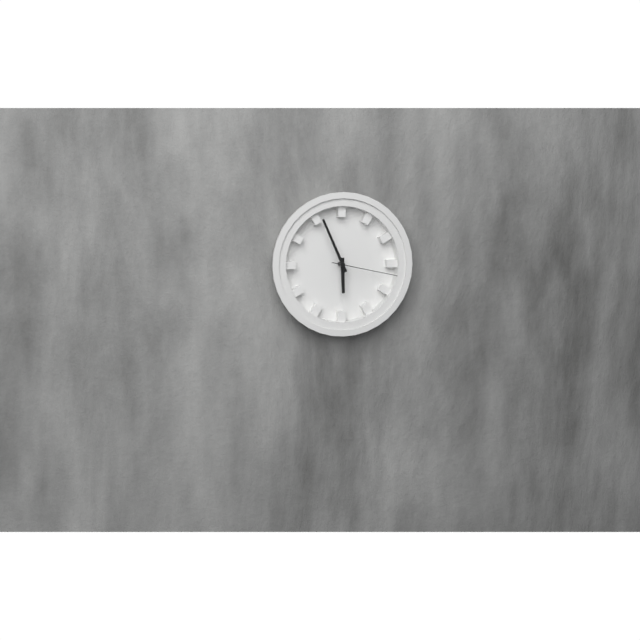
5 h 56 min 17 s
